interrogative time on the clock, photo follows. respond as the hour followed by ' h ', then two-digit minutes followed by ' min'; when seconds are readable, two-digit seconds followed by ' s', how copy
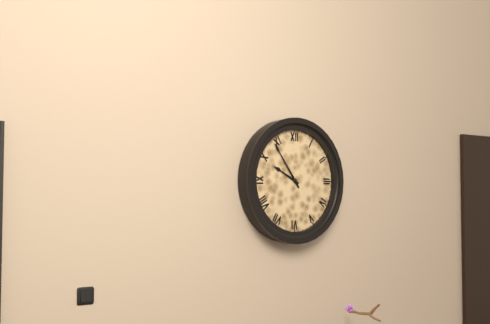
9 h 54 min
